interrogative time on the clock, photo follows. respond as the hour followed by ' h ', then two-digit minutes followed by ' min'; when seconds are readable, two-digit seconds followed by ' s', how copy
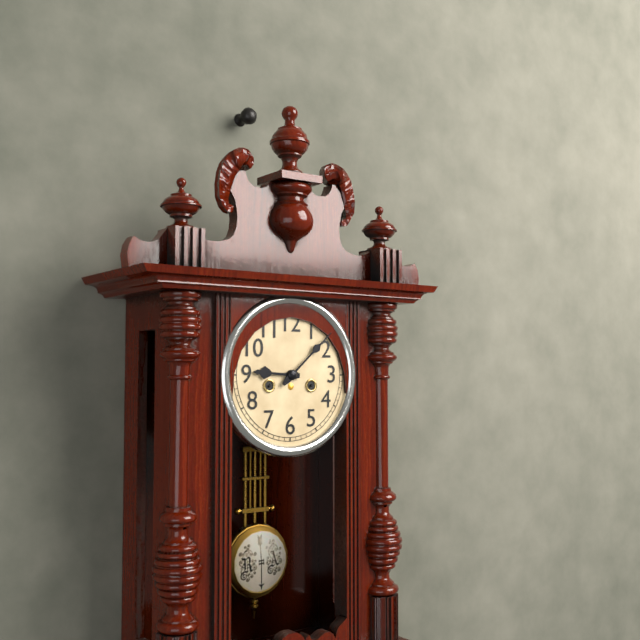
9 h 08 min
